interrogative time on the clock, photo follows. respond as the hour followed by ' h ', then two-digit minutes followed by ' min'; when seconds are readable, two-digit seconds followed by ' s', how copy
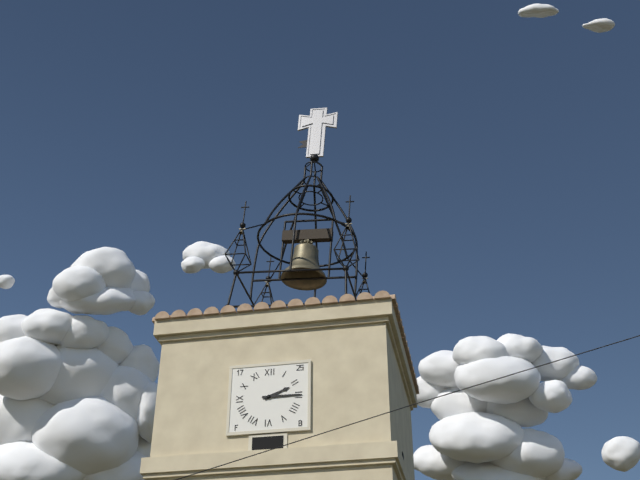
2 h 15 min
